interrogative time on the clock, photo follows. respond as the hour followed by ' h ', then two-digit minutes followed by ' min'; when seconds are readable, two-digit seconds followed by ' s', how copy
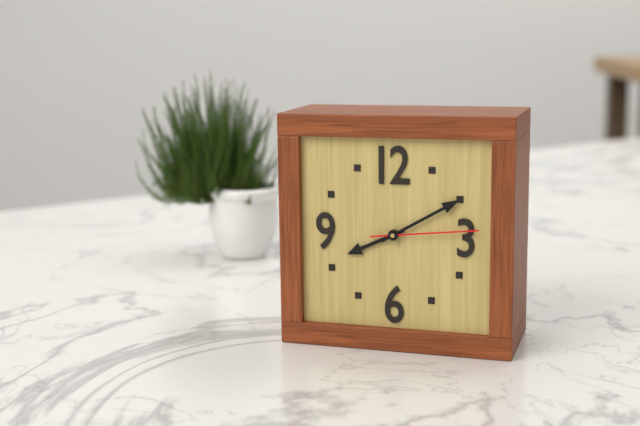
8 h 10 min 14 s
